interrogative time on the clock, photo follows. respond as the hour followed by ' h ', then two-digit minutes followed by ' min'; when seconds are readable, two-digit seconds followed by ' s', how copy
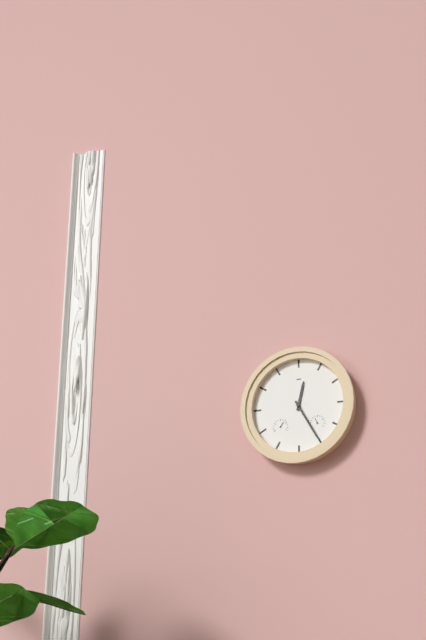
12 h 25 min
